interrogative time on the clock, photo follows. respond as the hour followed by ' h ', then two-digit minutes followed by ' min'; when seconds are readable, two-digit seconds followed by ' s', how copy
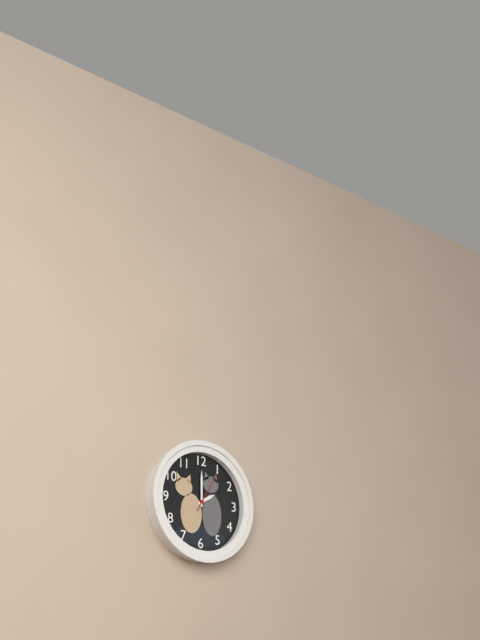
2 h 00 min
